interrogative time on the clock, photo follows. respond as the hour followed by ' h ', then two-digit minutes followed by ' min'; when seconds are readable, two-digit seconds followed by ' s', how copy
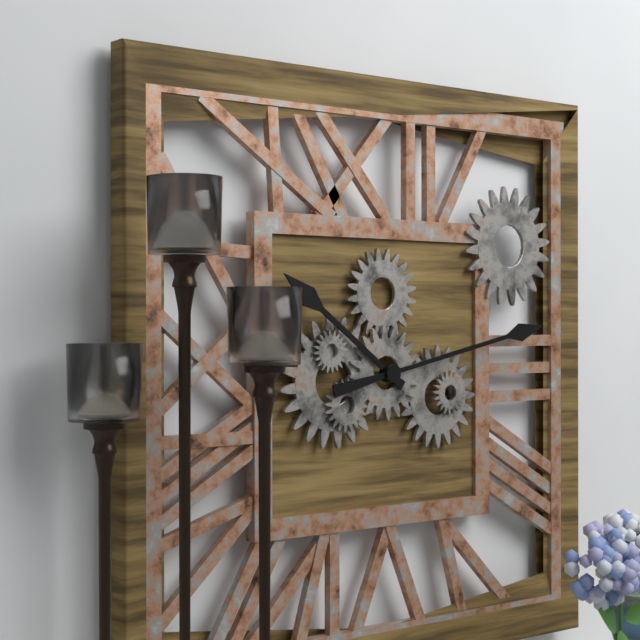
10 h 13 min
